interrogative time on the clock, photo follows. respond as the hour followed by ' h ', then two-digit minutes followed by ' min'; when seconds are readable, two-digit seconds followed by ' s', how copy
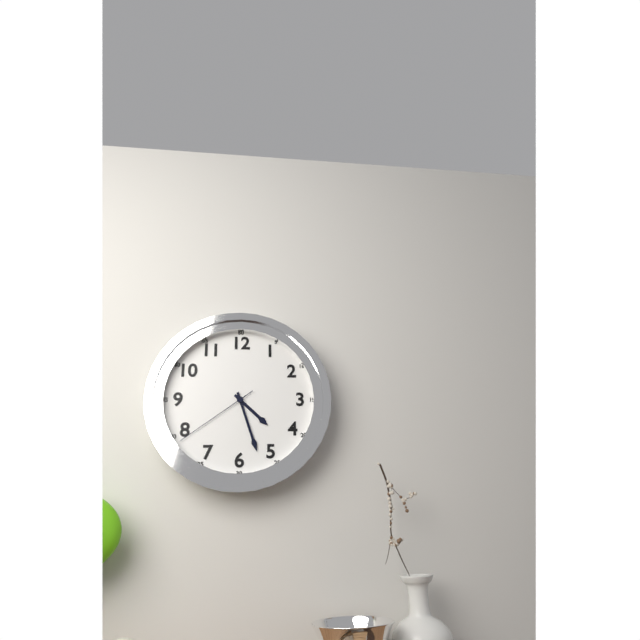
4 h 27 min 39 s
